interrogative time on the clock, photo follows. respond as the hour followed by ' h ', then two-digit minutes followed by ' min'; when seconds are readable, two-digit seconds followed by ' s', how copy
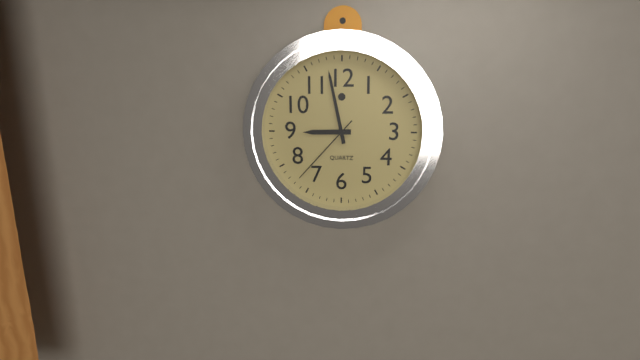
8 h 58 min 37 s
